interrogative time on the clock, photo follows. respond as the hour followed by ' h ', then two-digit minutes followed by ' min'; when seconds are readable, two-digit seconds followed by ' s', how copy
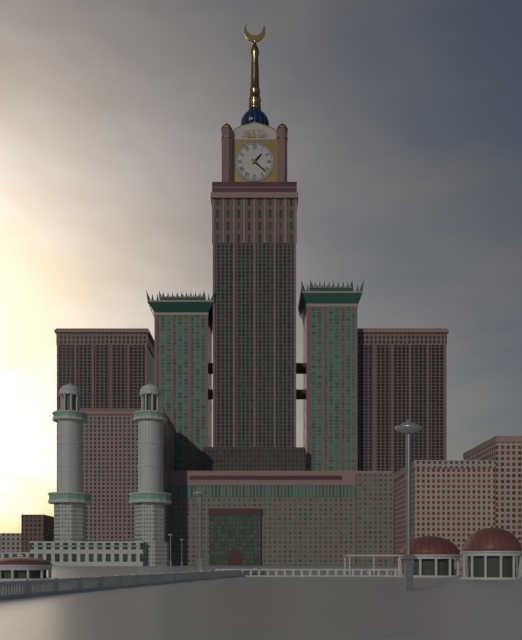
1 h 22 min
